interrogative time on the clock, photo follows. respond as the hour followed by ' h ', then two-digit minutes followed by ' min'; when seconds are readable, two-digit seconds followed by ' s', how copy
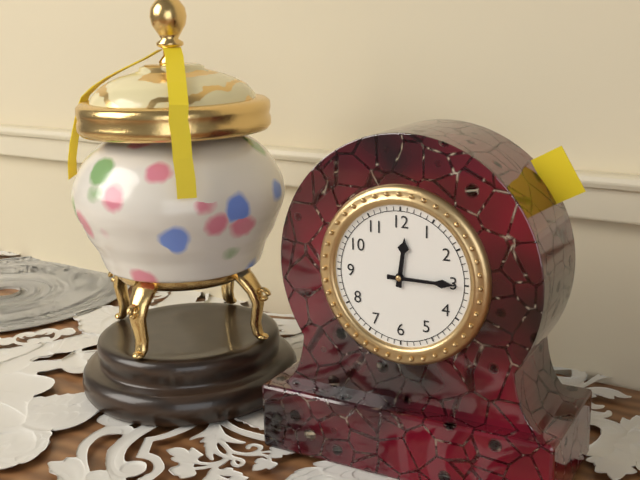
12 h 15 min
